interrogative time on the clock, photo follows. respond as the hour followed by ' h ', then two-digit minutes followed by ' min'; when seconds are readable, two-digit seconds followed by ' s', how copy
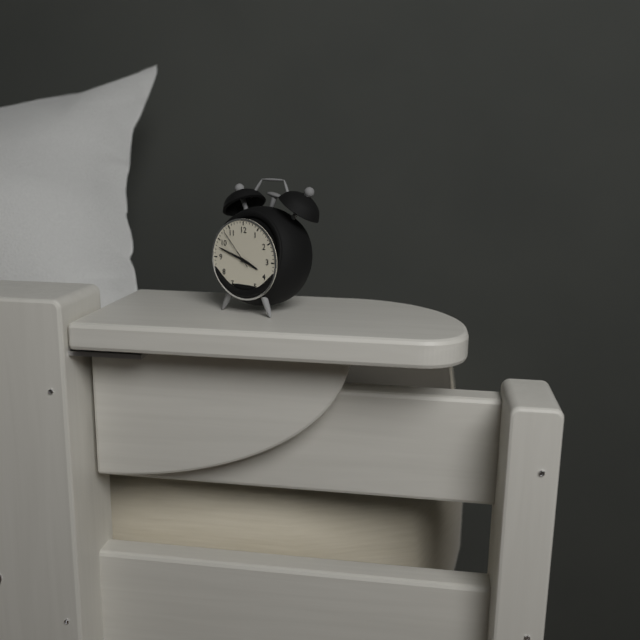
3 h 48 min
